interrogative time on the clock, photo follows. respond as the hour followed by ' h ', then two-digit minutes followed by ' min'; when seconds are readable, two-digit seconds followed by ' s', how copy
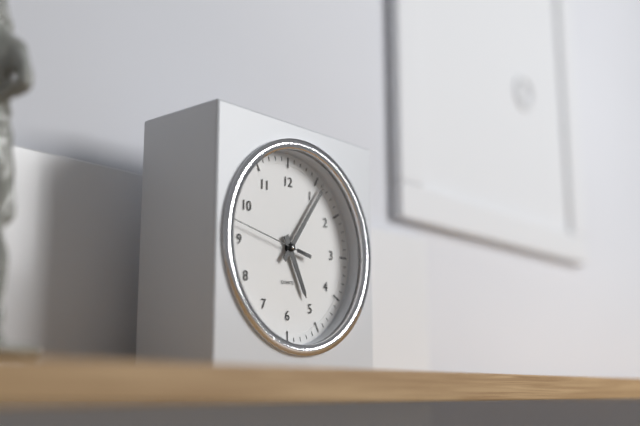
5 h 06 min 47 s
